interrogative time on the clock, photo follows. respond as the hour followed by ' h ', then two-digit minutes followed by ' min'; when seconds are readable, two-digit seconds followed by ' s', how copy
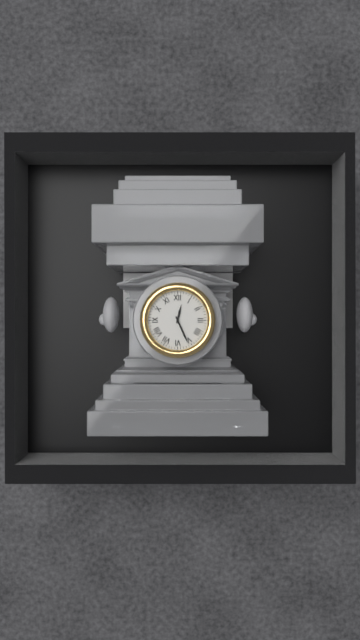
12 h 26 min
